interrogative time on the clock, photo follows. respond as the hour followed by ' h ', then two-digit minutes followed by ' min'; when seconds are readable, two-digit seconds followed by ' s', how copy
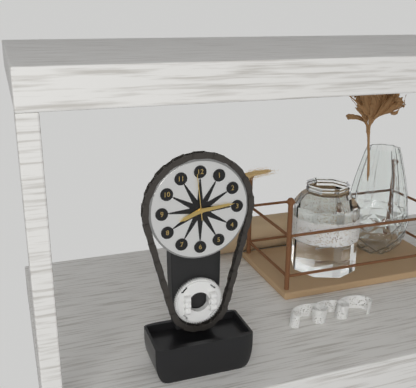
8 h 14 min
